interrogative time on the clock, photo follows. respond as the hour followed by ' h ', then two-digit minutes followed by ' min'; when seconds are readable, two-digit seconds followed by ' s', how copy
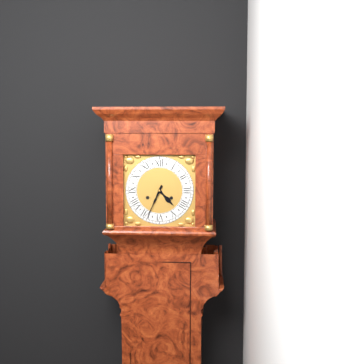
4 h 34 min
